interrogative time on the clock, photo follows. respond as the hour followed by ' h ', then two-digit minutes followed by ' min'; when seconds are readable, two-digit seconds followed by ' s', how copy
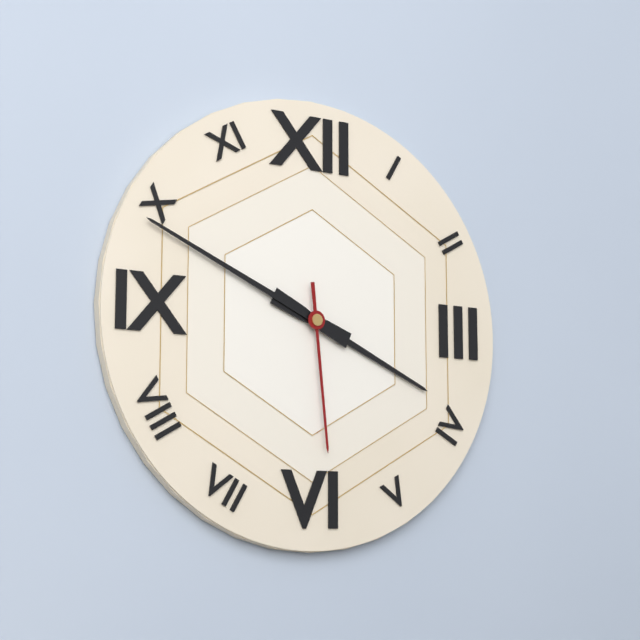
3 h 49 min 29 s
